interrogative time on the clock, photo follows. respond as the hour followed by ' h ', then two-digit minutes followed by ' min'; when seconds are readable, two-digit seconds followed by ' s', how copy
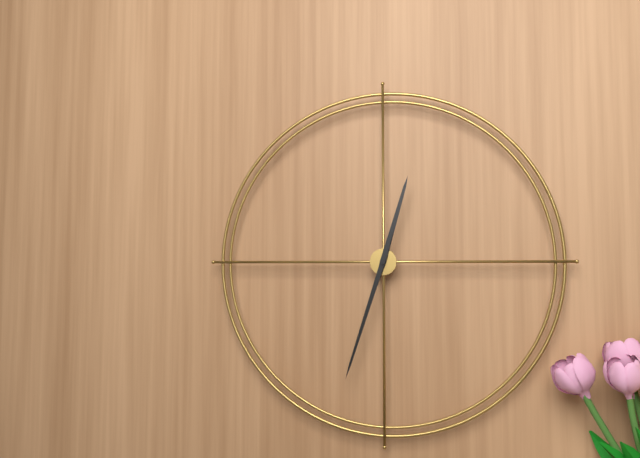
12 h 33 min
